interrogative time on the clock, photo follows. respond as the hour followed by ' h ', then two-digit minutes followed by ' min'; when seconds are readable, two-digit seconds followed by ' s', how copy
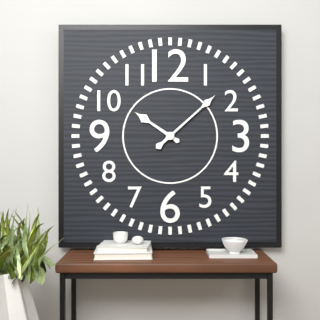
10 h 08 min
